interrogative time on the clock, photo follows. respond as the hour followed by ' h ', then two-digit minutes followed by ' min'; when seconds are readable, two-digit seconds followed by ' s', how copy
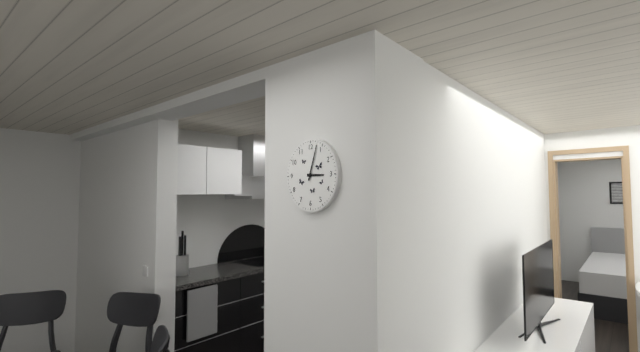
3 h 03 min
